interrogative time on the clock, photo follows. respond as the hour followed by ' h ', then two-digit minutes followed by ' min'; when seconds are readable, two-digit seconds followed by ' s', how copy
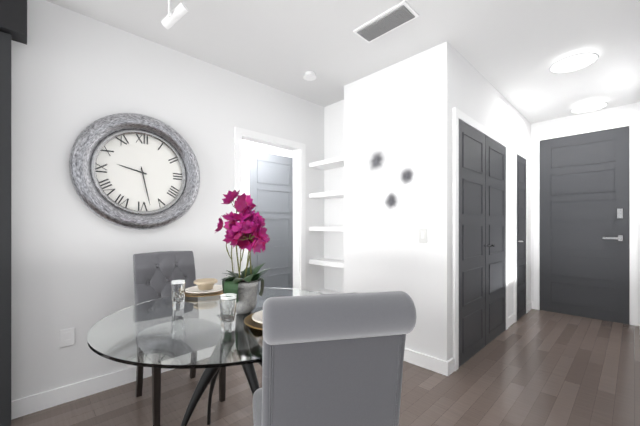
9 h 28 min
